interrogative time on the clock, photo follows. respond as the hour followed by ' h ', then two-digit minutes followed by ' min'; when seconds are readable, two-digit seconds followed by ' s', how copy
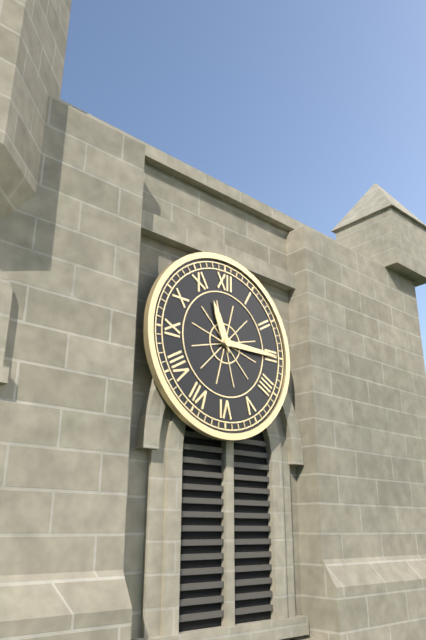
11 h 15 min
